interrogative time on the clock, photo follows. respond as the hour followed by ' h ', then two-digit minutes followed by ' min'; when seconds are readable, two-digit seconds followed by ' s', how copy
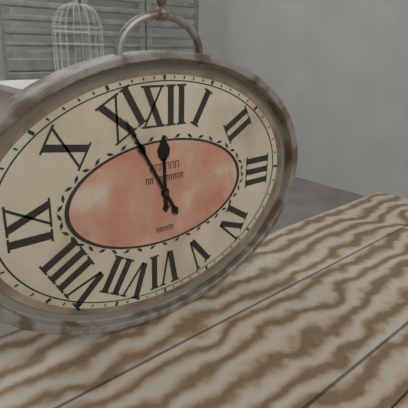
11 h 55 min
